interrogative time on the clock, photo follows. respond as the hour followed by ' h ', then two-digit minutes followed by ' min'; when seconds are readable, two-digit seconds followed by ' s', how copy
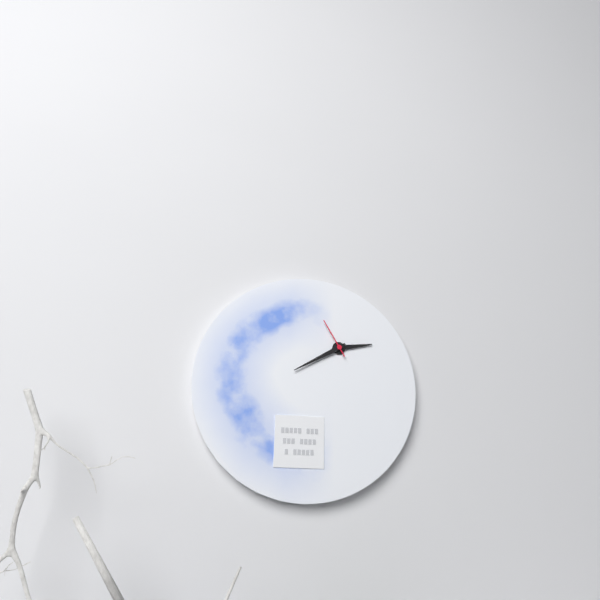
2 h 40 min
